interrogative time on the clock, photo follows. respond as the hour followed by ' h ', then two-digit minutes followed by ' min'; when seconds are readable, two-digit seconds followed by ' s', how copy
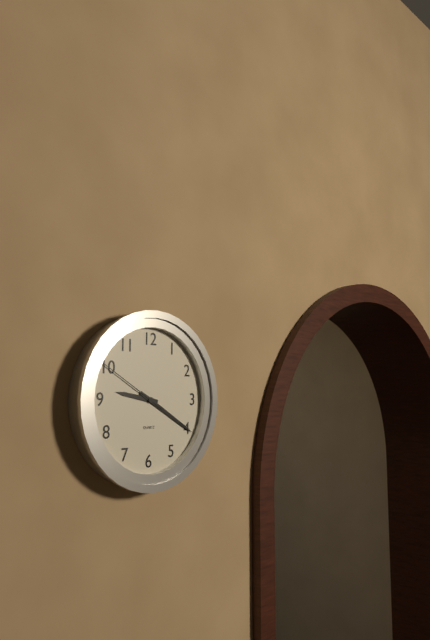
9 h 20 min 50 s
